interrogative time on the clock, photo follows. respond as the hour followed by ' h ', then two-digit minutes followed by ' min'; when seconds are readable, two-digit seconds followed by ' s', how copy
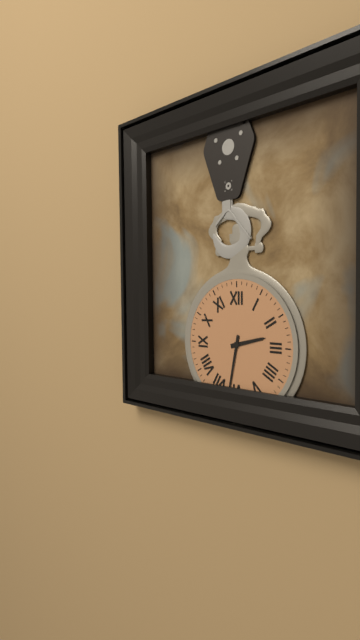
2 h 32 min
